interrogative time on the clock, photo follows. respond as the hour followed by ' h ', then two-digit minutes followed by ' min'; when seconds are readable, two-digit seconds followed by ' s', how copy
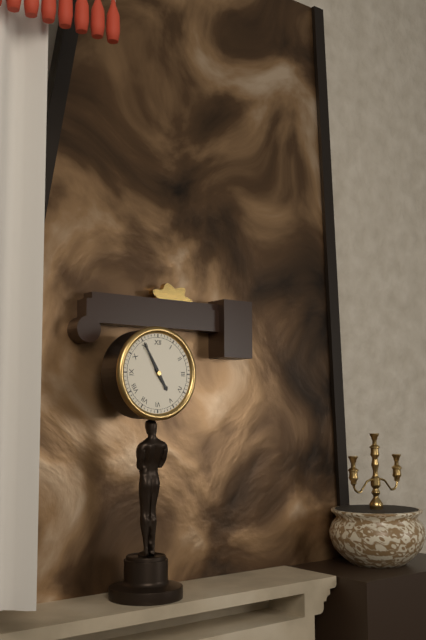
4 h 55 min
